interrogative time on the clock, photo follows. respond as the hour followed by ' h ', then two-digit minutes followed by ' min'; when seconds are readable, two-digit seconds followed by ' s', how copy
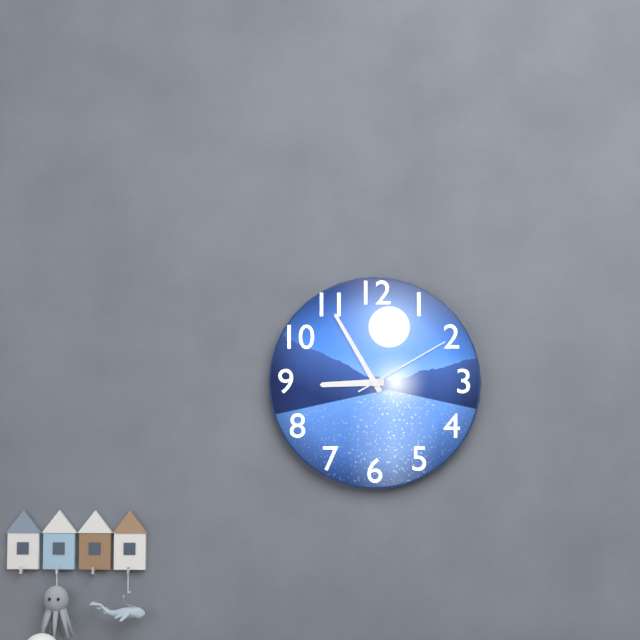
8 h 55 min 10 s
